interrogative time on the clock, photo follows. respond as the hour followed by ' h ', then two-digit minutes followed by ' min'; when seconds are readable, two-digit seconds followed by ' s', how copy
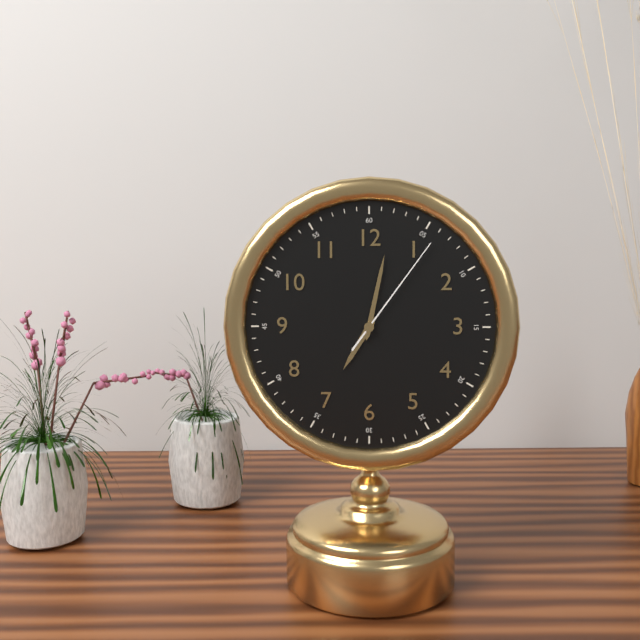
7 h 02 min 06 s
